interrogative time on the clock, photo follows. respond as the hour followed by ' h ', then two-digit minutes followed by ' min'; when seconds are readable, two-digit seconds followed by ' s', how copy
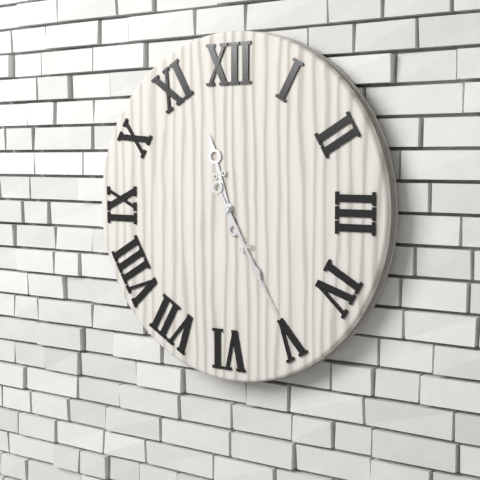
11 h 25 min
